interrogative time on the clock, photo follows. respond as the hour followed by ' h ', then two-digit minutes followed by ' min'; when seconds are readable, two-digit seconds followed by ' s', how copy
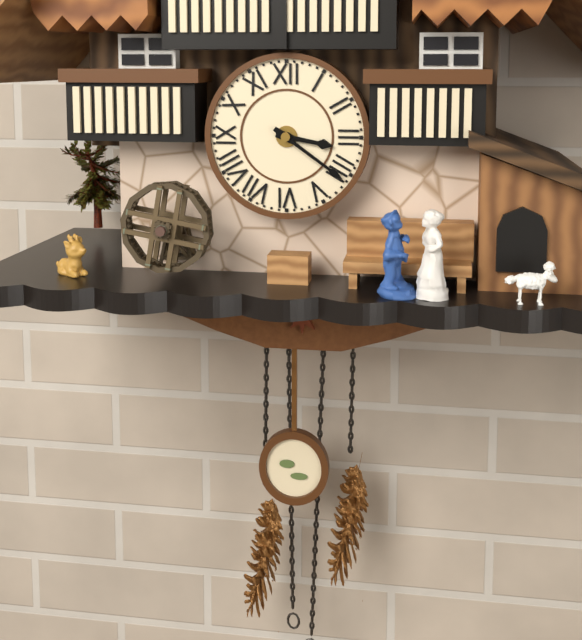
3 h 21 min
